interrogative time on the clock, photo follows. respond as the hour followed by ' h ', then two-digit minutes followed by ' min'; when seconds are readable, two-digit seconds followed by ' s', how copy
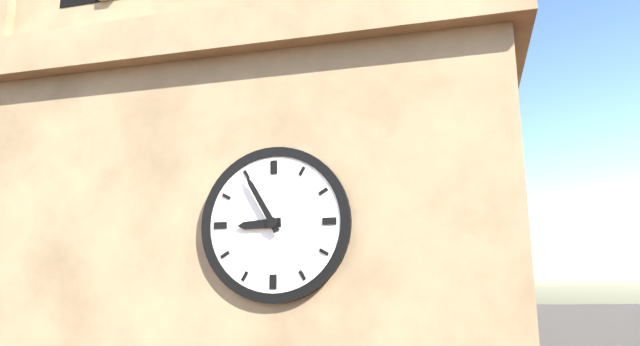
8 h 55 min
